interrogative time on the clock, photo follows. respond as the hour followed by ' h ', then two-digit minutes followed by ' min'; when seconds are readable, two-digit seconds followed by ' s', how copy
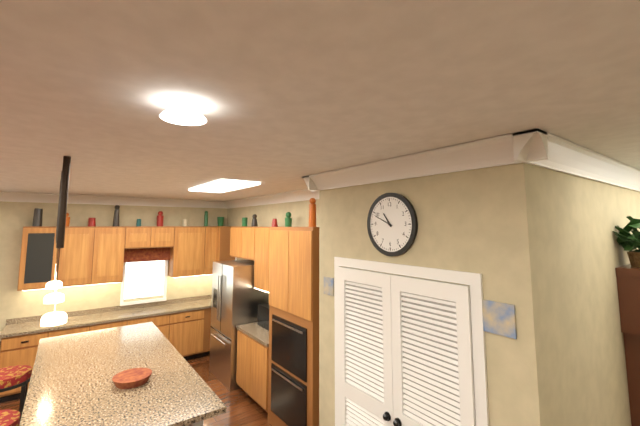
10 h 49 min
